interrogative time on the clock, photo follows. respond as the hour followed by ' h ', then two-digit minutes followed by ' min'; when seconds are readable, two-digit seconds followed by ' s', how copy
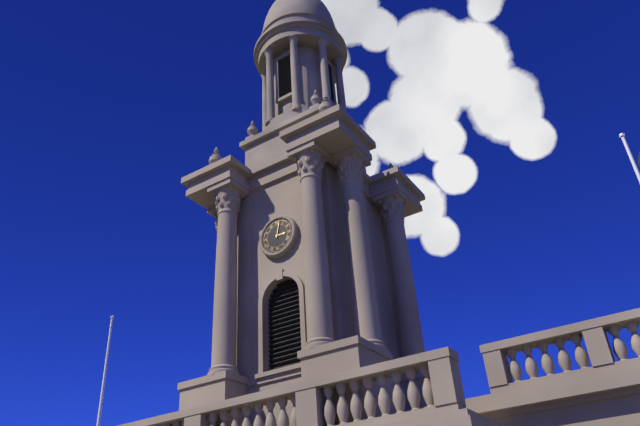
3 h 02 min
